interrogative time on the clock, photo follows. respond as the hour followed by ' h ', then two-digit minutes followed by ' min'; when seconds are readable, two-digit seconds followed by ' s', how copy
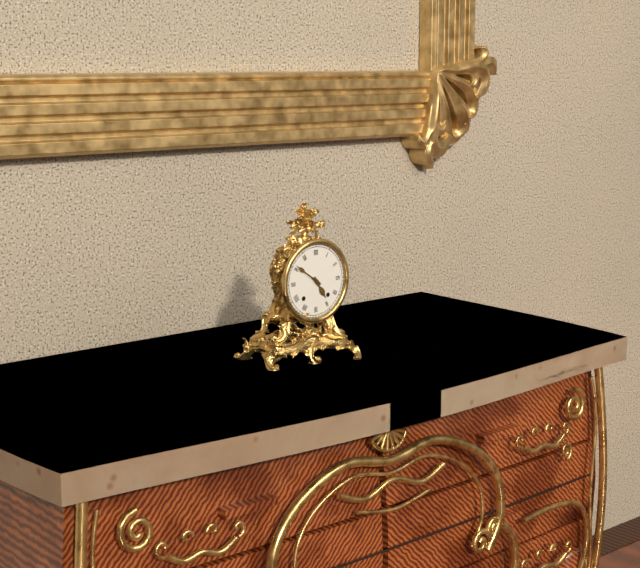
4 h 51 min
